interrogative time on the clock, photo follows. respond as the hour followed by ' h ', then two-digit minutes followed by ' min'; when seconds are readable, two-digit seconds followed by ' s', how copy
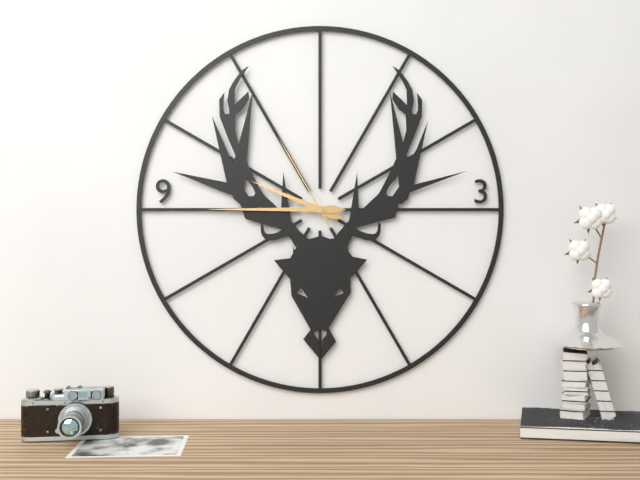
9 h 45 min 55 s
